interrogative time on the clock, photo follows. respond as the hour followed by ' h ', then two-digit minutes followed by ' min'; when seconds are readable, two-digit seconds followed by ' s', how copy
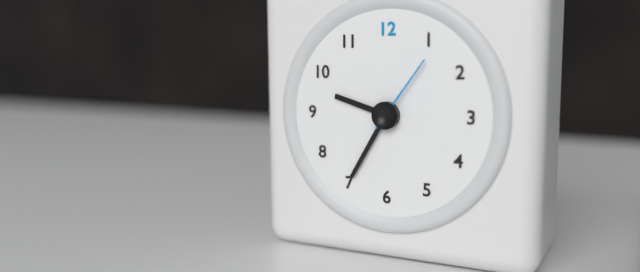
9 h 35 min 06 s
